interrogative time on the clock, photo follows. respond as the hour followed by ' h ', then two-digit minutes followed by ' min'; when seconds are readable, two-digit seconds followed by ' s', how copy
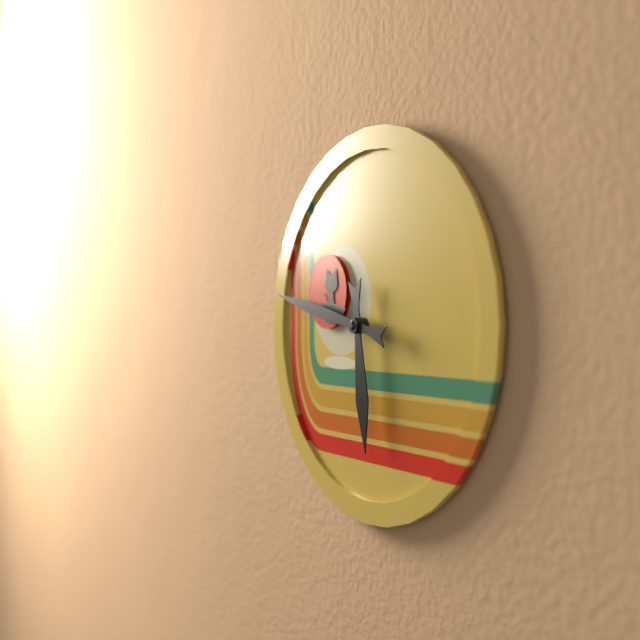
5 h 47 min
